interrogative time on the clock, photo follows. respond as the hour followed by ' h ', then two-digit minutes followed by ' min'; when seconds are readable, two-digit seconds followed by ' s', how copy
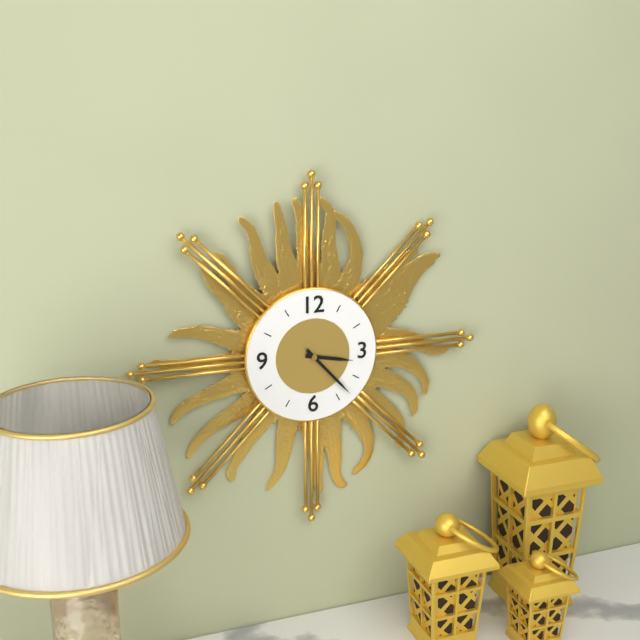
3 h 23 min
